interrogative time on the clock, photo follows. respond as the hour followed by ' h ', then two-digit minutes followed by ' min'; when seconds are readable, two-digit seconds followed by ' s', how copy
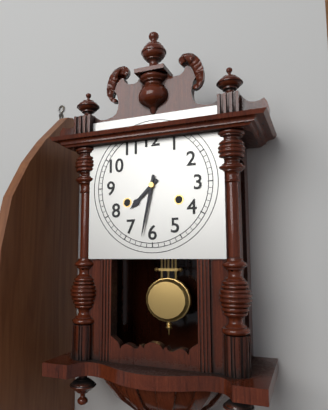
7 h 32 min
